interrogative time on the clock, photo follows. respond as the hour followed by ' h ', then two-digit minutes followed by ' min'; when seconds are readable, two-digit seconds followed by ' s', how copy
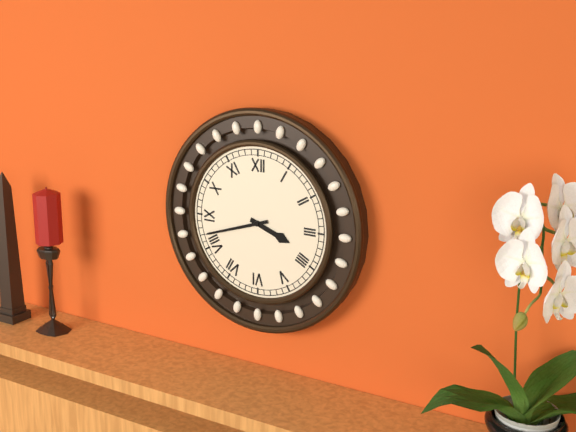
3 h 42 min
